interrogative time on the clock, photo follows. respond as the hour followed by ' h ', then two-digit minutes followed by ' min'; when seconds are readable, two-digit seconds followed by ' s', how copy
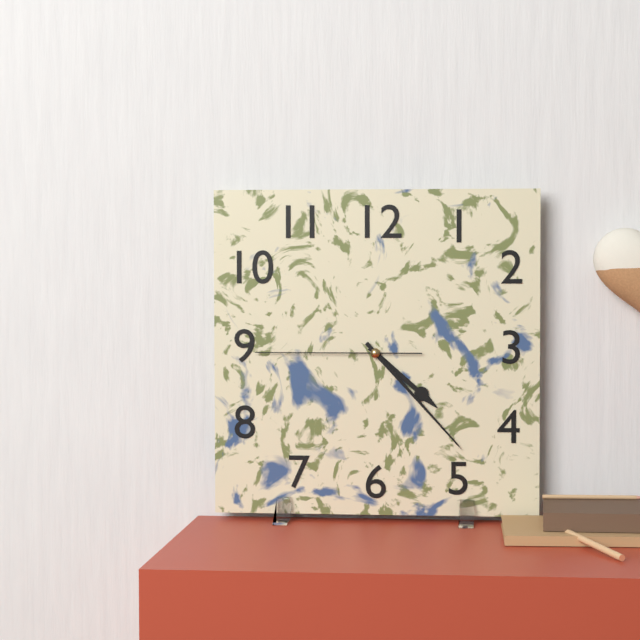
4 h 23 min 45 s
